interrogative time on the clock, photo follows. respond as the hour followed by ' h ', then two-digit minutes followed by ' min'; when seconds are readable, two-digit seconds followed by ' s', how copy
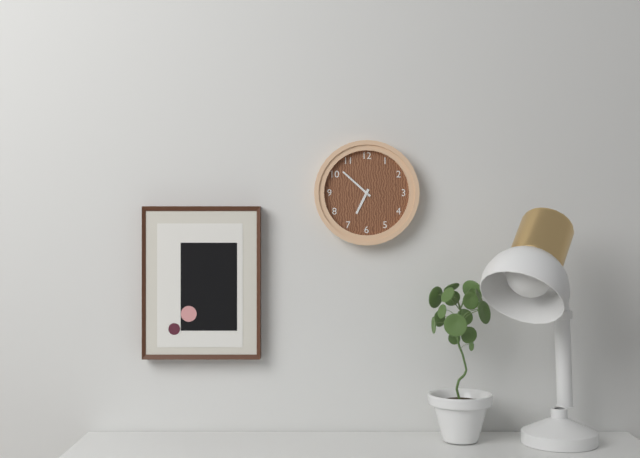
6 h 52 min
